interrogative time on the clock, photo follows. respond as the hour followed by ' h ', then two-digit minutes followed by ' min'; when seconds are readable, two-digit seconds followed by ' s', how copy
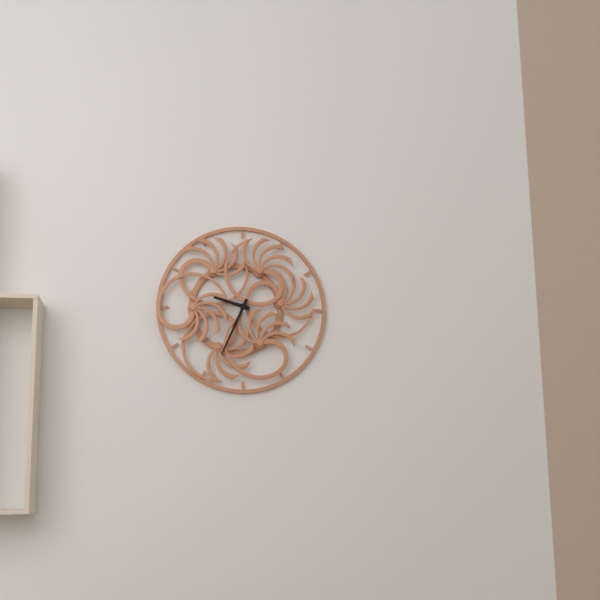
9 h 34 min
